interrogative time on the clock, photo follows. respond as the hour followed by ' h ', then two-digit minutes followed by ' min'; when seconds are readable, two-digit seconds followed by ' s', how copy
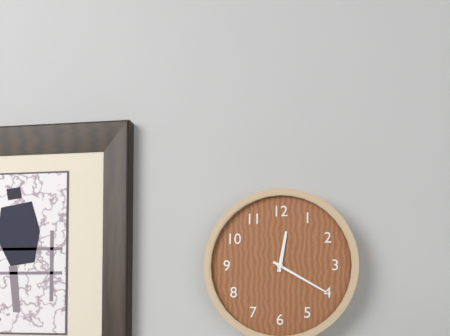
12 h 20 min
